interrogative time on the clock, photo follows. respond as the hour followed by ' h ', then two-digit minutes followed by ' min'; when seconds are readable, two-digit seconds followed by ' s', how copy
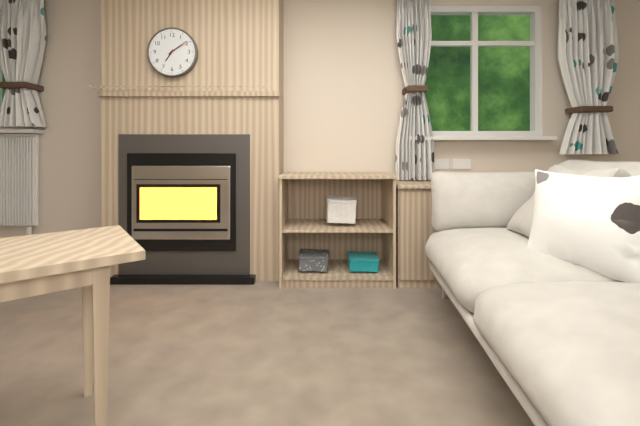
7 h 09 min
